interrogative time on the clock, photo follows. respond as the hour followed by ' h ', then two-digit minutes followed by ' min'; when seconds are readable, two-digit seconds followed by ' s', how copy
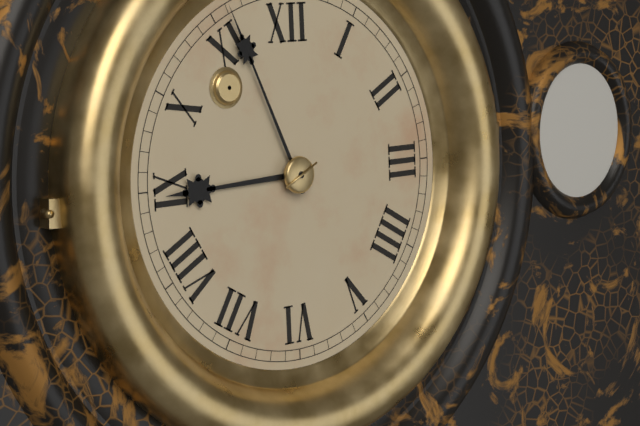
8 h 56 min
